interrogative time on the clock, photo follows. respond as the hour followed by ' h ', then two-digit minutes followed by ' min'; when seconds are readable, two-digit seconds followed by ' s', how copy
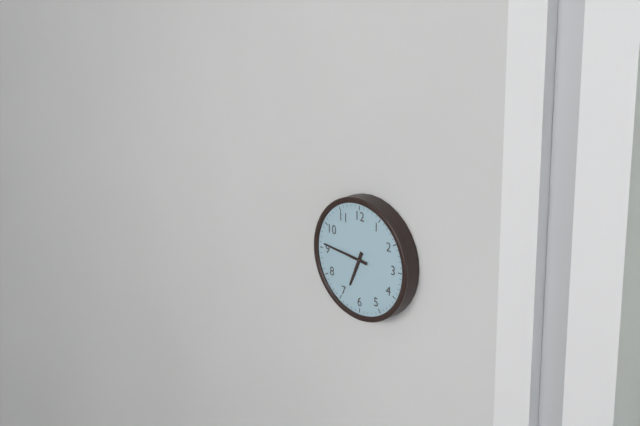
6 h 46 min
